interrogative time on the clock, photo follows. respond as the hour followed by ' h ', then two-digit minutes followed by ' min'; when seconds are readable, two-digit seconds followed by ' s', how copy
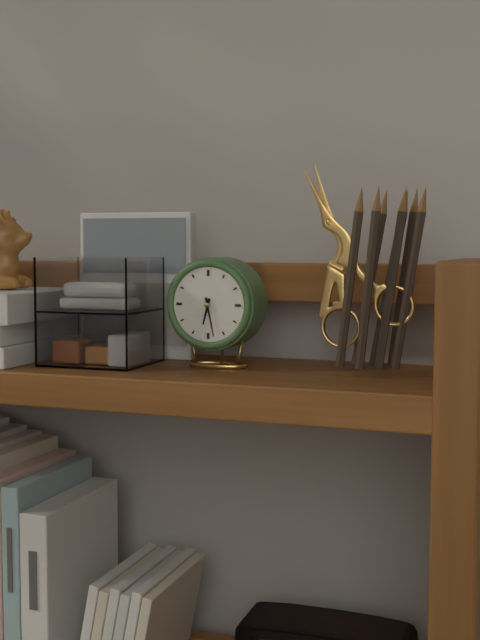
6 h 28 min
